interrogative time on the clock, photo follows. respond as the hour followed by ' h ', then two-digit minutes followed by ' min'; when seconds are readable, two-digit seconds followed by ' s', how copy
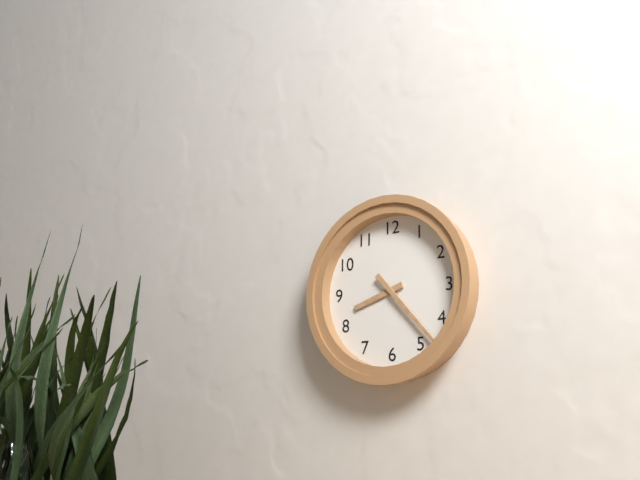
8 h 23 min
